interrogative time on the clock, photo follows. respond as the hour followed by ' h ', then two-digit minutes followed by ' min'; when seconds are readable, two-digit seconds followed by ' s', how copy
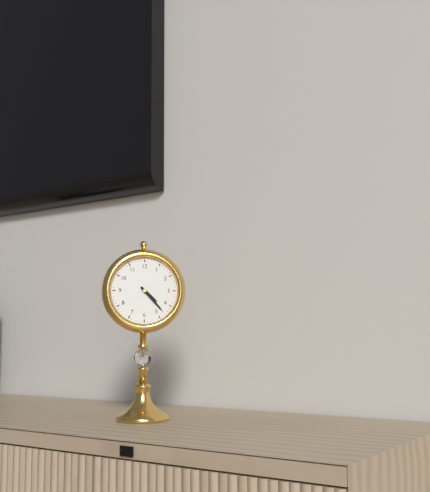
4 h 23 min
